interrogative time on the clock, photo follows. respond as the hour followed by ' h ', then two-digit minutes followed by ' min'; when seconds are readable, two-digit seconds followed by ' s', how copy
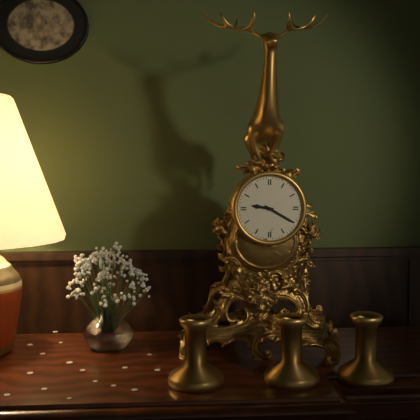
9 h 20 min
